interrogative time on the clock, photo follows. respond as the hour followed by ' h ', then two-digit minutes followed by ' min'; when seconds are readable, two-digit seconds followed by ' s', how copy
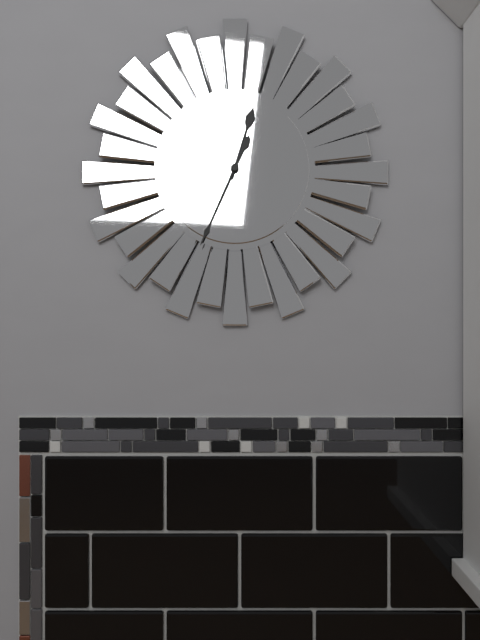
12 h 34 min
